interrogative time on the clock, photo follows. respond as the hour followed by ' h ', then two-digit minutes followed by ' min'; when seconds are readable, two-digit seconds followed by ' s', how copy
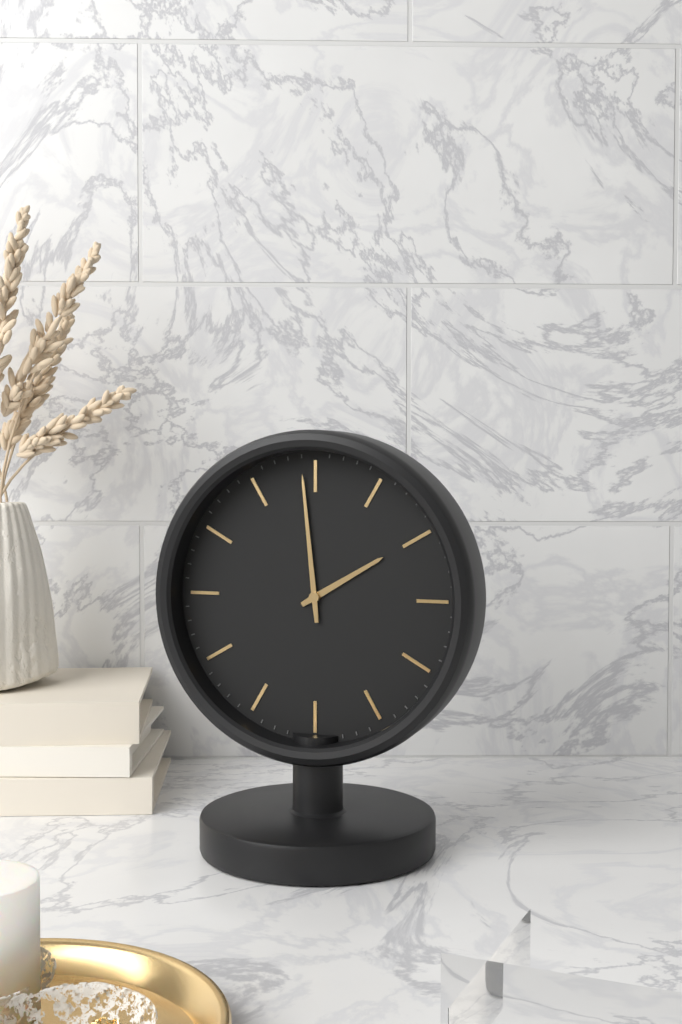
1 h 59 min
